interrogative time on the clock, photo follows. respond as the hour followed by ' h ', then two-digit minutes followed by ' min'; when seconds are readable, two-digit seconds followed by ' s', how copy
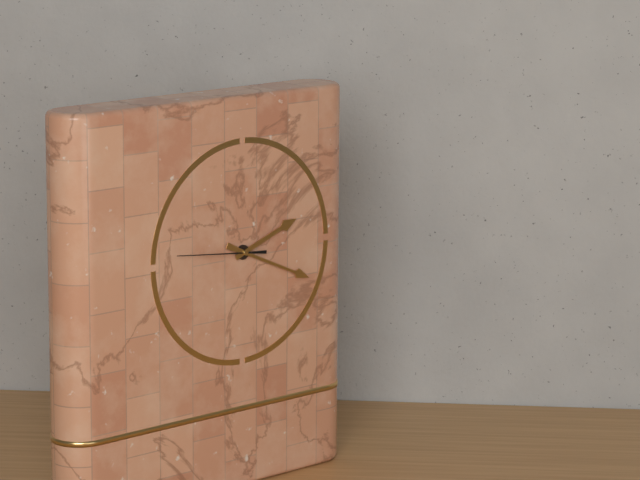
2 h 19 min 46 s
